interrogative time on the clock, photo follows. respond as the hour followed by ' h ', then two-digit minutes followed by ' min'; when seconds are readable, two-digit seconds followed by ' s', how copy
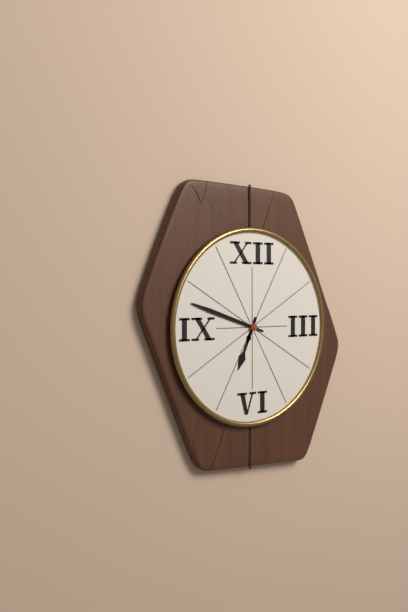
6 h 48 min
